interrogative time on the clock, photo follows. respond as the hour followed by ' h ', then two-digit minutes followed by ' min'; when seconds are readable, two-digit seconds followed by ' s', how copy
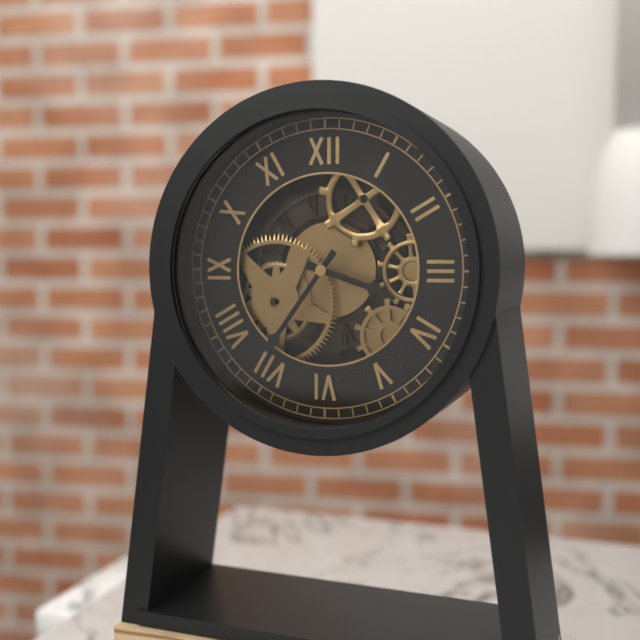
3 h 36 min
